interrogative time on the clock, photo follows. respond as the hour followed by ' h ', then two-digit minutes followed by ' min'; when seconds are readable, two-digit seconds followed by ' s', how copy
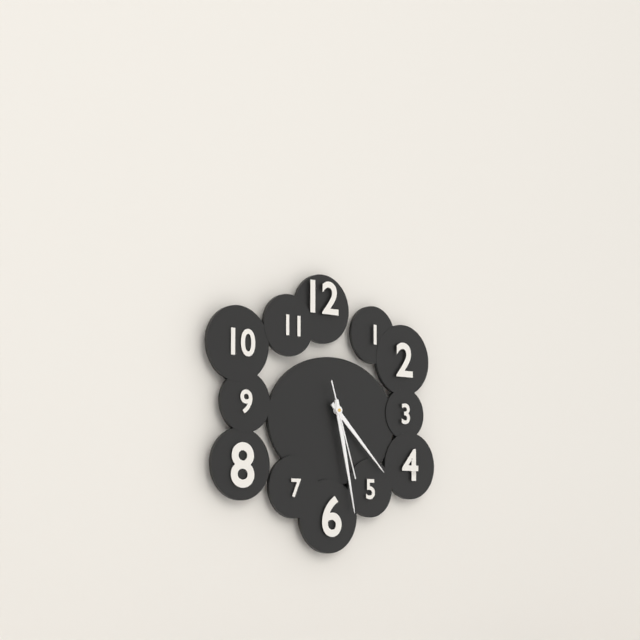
4 h 28 min 27 s
